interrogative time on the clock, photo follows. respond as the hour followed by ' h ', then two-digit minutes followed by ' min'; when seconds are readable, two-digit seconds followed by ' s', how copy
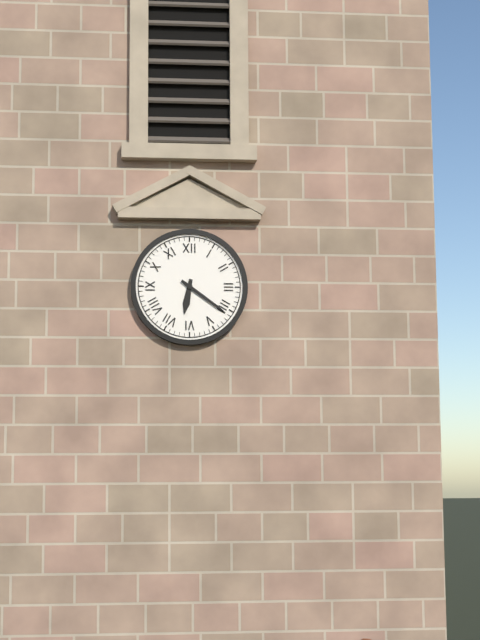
6 h 21 min
